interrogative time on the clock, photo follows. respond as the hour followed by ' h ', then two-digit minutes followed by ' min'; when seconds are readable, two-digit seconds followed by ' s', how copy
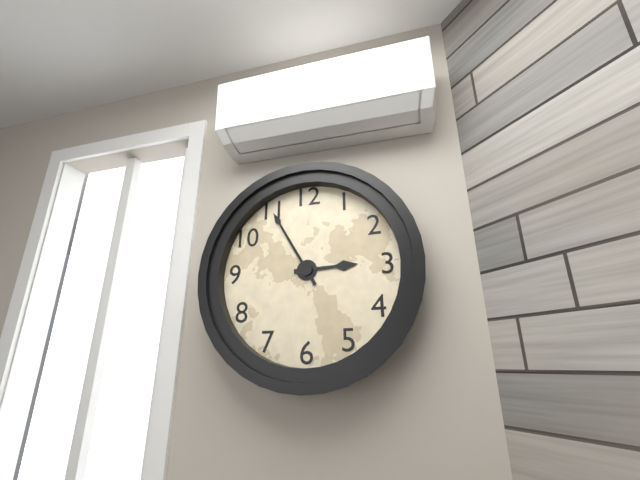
2 h 55 min
